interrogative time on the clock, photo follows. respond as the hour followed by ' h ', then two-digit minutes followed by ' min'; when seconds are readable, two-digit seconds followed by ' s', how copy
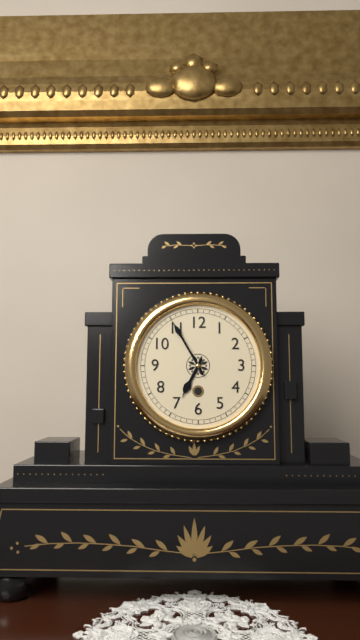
6 h 55 min
